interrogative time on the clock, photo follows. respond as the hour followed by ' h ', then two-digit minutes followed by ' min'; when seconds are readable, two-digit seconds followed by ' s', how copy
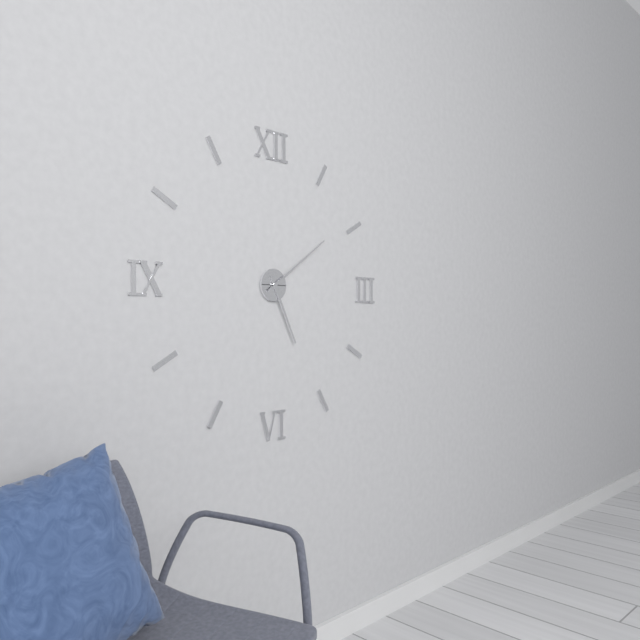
5 h 09 min
